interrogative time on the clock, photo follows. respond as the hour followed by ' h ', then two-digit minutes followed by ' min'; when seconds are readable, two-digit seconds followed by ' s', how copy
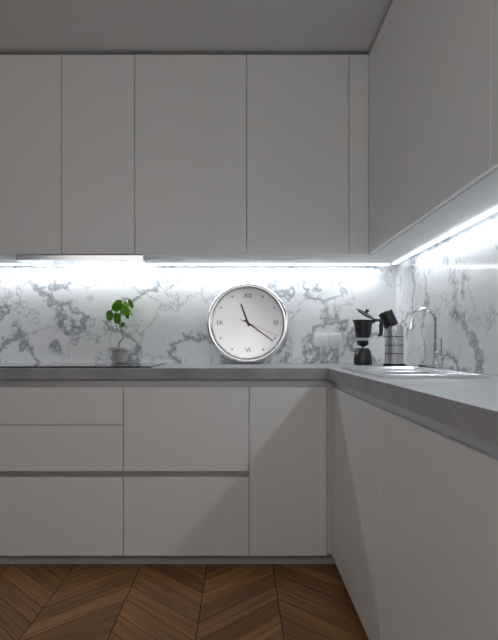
11 h 21 min
